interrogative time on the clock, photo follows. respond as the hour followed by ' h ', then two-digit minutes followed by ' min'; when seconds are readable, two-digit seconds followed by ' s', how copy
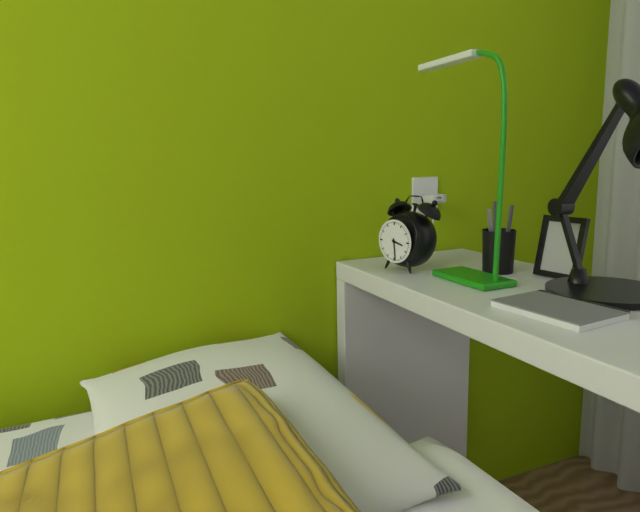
3 h 29 min
